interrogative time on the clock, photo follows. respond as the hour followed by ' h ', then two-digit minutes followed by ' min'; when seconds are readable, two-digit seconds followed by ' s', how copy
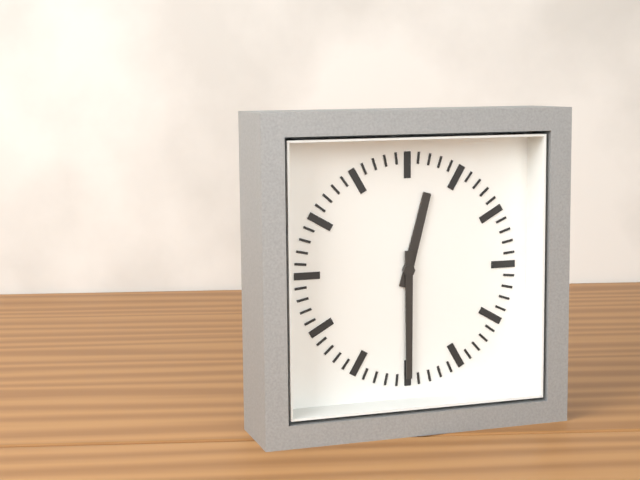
12 h 30 min
